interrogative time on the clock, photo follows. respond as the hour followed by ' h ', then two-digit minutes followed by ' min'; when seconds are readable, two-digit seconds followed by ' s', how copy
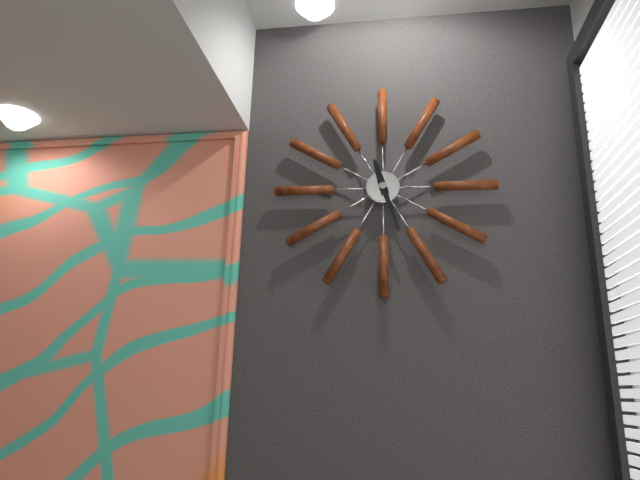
11 h 27 min
